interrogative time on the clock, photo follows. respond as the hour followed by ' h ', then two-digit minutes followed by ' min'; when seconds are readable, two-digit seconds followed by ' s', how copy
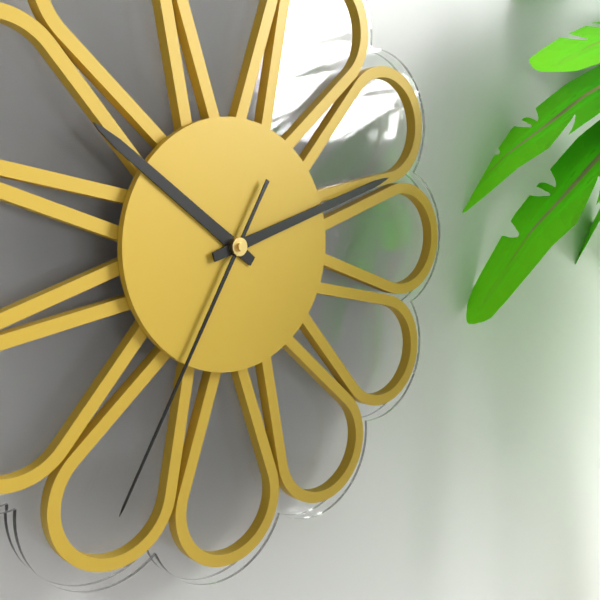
10 h 12 min 35 s
